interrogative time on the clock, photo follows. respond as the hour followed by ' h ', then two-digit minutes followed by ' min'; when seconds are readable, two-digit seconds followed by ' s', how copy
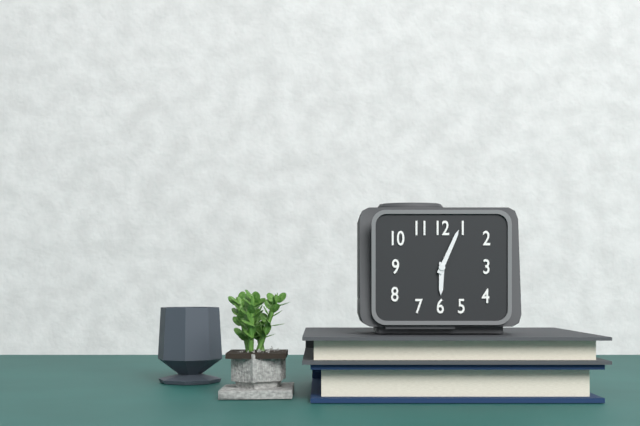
6 h 04 min
